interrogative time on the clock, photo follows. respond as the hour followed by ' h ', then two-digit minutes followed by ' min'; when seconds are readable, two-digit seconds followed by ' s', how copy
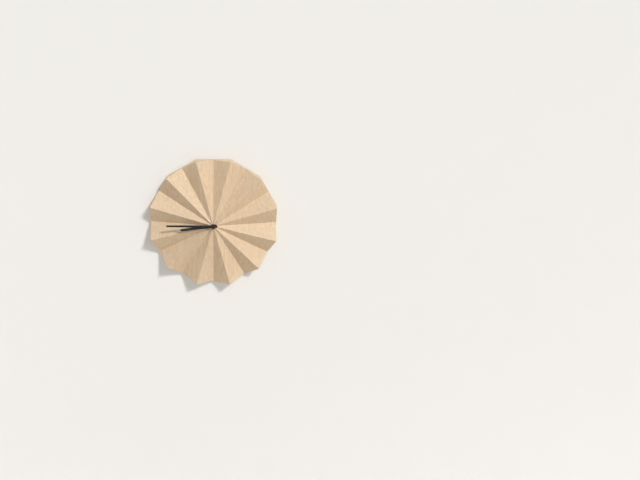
8 h 45 min
